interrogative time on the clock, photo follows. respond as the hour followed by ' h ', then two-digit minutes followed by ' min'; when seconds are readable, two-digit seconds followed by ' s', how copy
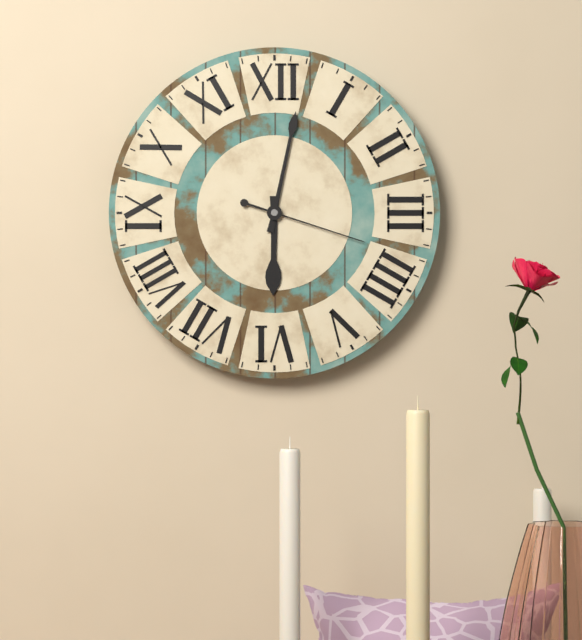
6 h 02 min 18 s
